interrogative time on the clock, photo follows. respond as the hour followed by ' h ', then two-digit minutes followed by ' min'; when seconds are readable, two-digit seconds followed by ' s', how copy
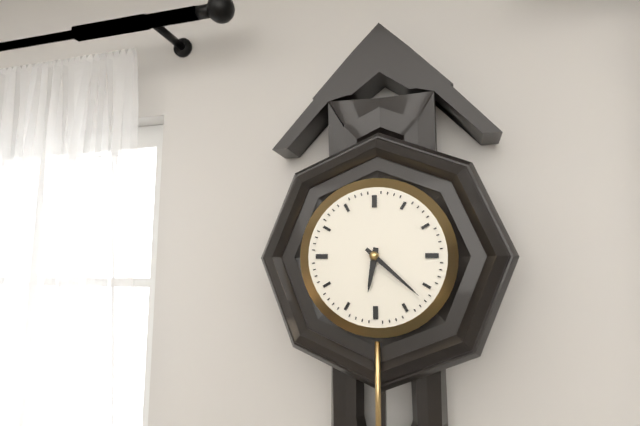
6 h 22 min
